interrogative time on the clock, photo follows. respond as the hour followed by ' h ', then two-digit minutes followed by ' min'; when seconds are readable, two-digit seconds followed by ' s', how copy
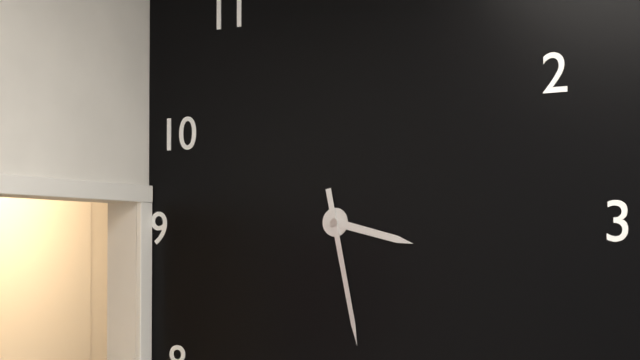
3 h 28 min
